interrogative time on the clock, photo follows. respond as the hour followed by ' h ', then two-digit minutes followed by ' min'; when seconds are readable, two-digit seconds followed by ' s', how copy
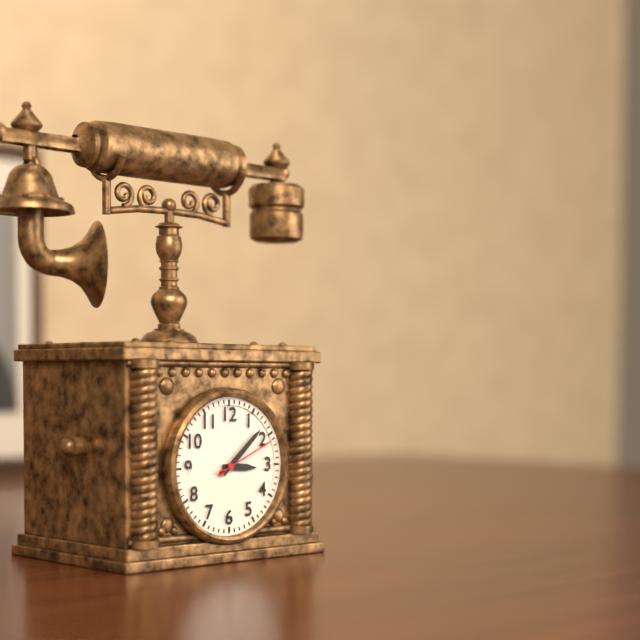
3 h 08 min 11 s
